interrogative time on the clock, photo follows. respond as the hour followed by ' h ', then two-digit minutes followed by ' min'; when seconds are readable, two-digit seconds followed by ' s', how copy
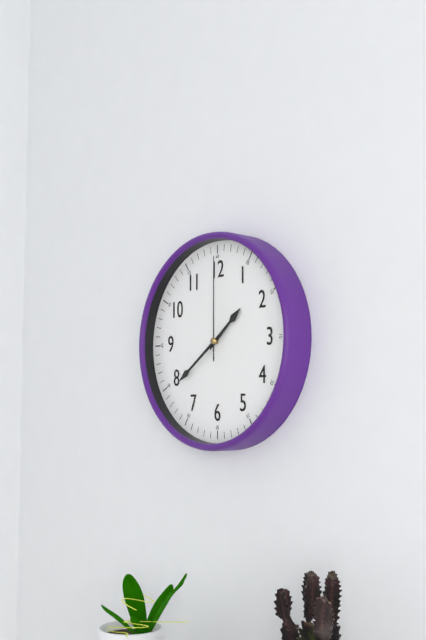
1 h 39 min 00 s
